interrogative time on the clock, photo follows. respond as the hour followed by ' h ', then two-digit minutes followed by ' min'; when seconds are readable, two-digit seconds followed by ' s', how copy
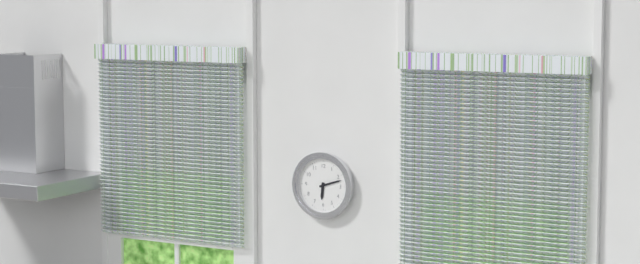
6 h 12 min
